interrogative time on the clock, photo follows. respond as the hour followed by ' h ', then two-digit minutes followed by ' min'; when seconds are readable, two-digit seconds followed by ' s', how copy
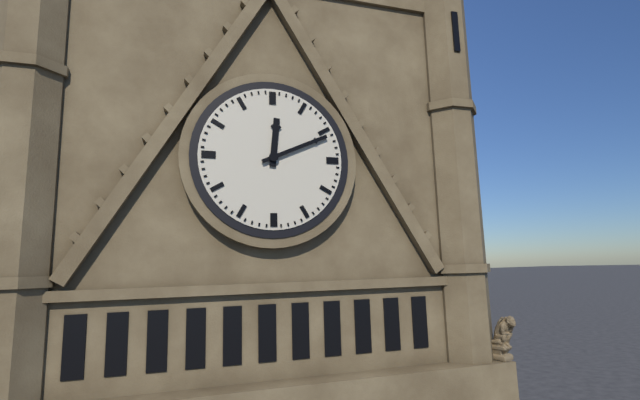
12 h 11 min
